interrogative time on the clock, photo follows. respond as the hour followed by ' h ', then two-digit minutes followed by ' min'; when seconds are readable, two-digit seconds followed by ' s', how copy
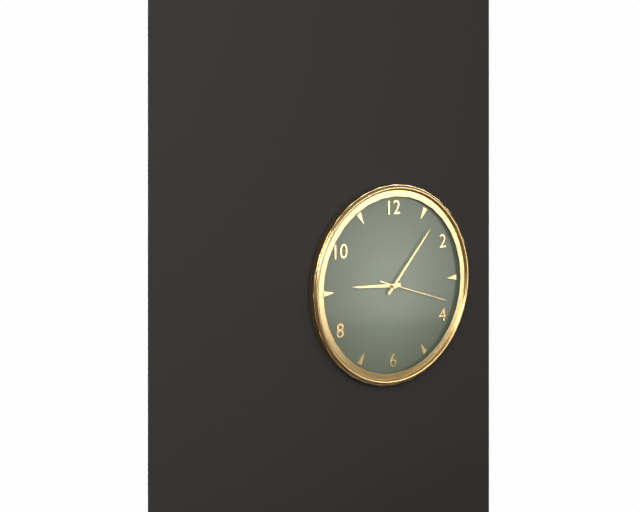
9 h 07 min 18 s
